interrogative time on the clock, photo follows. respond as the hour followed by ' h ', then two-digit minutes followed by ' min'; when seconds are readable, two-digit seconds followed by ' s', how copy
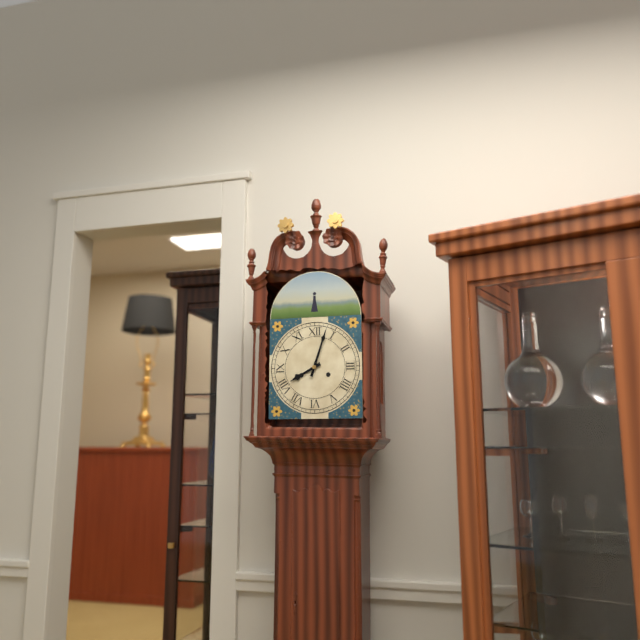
8 h 03 min
